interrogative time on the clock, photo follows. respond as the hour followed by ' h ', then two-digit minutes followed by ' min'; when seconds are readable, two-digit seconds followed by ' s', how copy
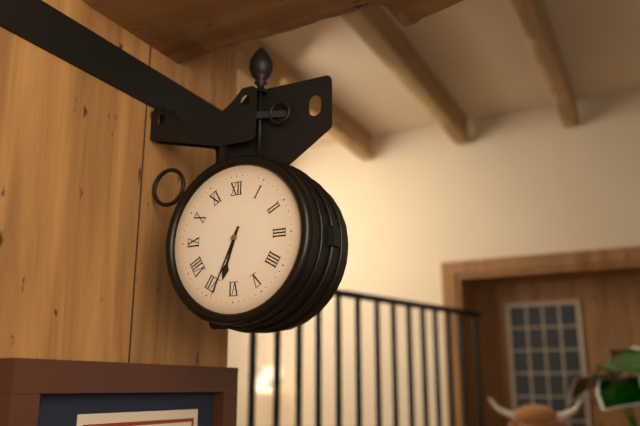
6 h 34 min
